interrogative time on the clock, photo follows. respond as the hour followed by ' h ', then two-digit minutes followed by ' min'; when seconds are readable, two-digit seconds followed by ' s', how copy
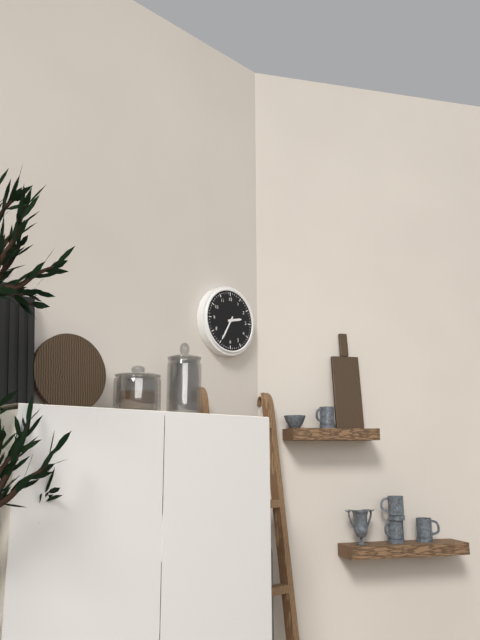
2 h 35 min
